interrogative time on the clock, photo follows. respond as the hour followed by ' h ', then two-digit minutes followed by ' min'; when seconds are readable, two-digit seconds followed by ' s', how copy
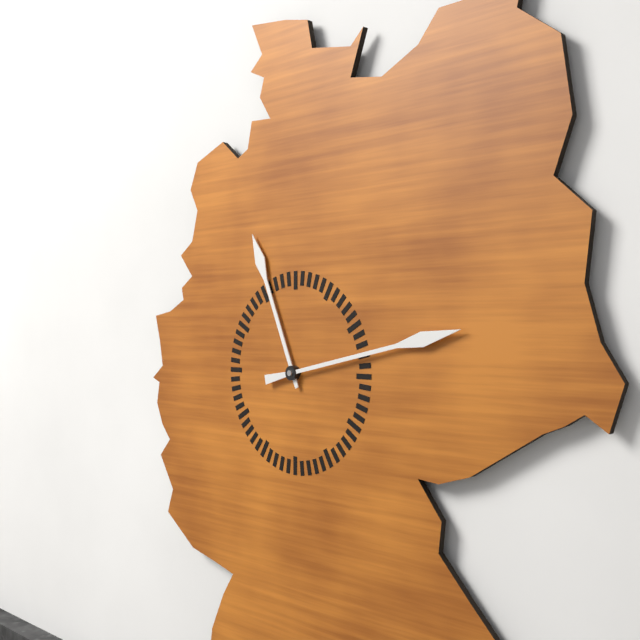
11 h 13 min
